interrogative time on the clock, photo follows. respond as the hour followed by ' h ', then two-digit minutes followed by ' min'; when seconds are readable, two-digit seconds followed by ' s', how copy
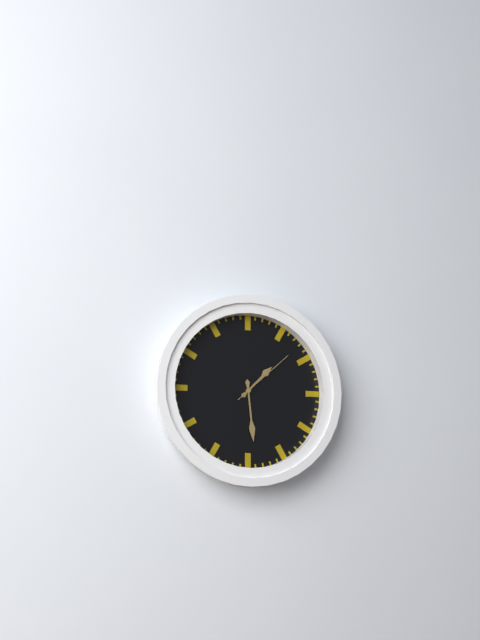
1 h 29 min 08 s
